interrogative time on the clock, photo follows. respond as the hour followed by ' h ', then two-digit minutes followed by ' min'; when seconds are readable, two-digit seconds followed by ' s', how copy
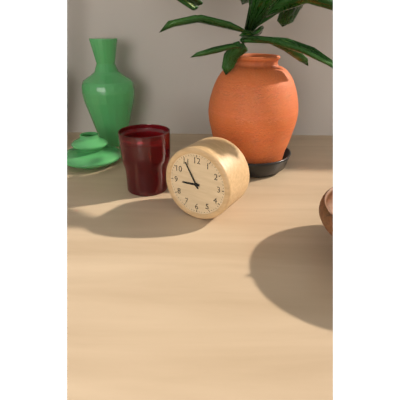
8 h 55 min
